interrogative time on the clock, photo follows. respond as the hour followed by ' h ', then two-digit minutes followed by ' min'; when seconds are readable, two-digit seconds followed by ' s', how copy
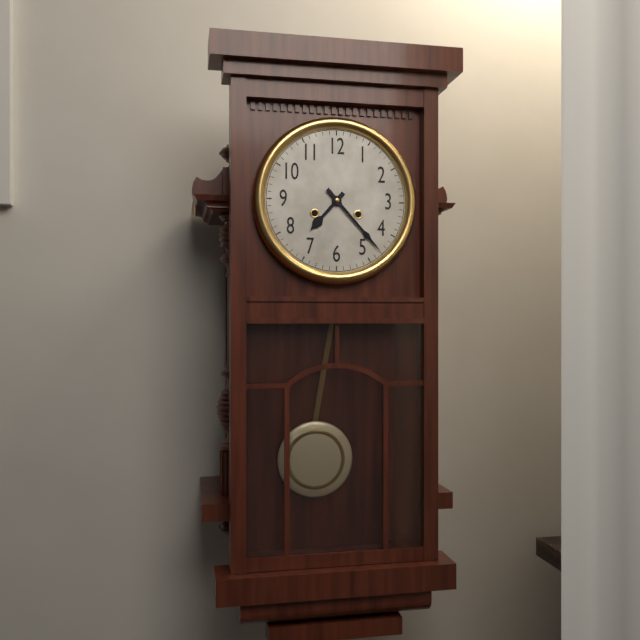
7 h 23 min
